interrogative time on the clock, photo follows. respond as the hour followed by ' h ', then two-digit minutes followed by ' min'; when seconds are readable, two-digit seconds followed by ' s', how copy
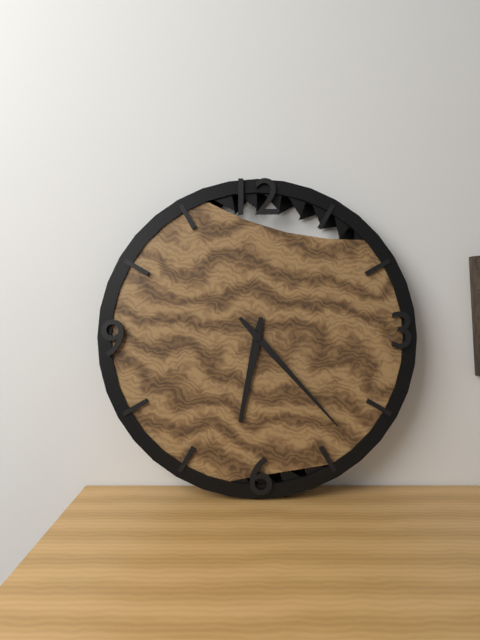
6 h 23 min
